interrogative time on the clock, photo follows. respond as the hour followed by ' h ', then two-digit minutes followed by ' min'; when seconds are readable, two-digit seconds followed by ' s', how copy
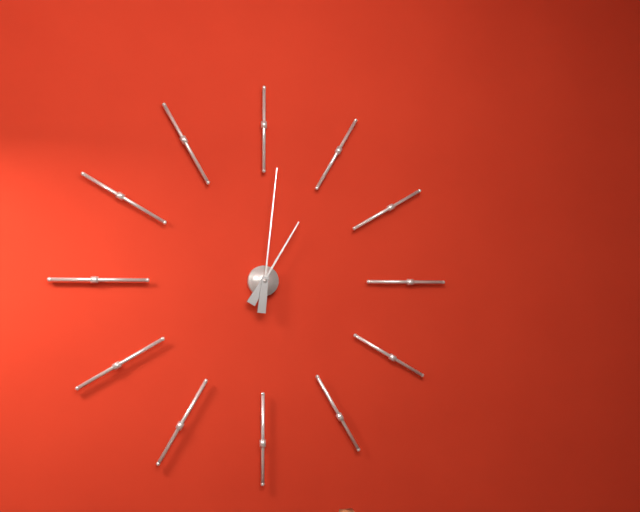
1 h 01 min
